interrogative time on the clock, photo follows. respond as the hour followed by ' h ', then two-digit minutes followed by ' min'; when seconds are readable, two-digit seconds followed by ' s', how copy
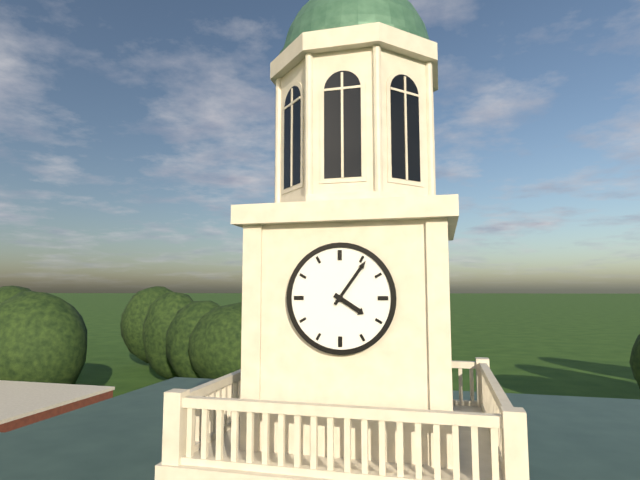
4 h 06 min
